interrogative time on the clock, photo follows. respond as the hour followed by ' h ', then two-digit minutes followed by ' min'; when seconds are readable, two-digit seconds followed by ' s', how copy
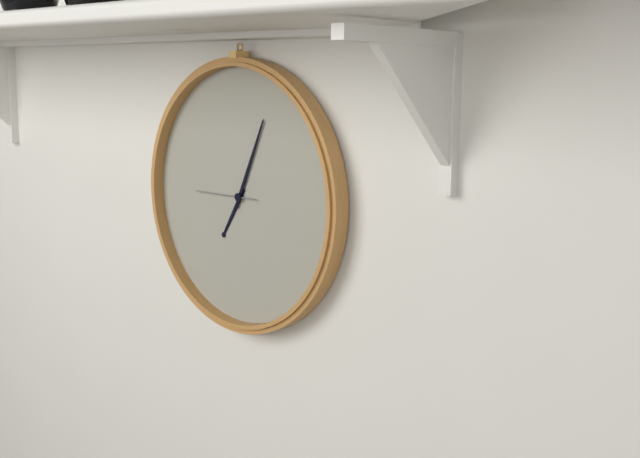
7 h 04 min 45 s
